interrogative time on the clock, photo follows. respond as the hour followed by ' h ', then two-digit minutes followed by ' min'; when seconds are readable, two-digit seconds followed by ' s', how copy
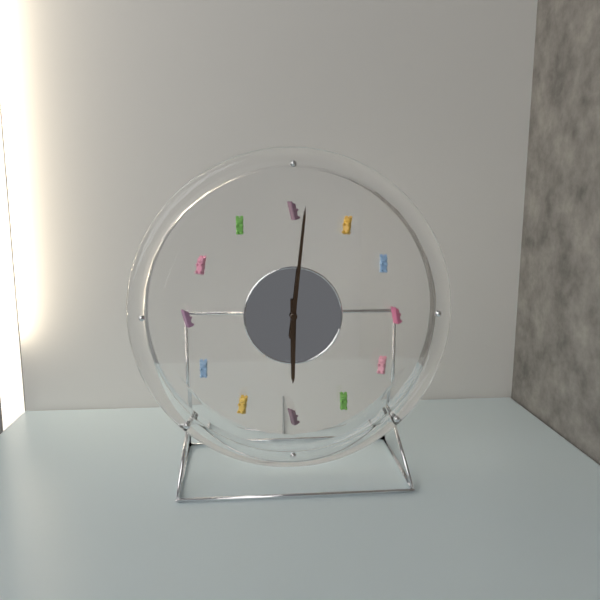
6 h 01 min
